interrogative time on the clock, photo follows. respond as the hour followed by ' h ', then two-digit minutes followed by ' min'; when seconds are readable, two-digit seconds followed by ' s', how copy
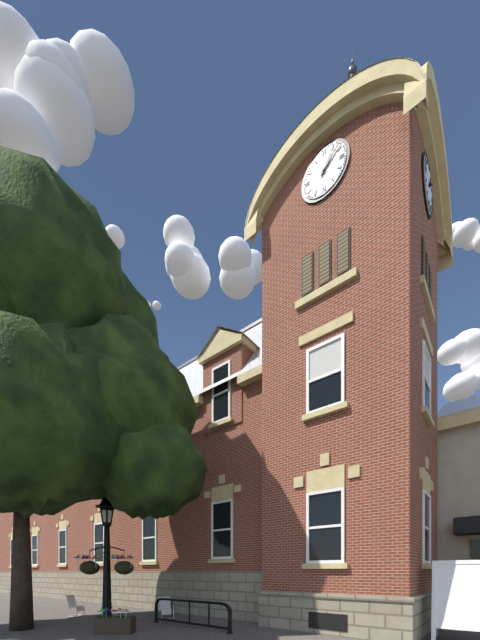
1 h 08 min
